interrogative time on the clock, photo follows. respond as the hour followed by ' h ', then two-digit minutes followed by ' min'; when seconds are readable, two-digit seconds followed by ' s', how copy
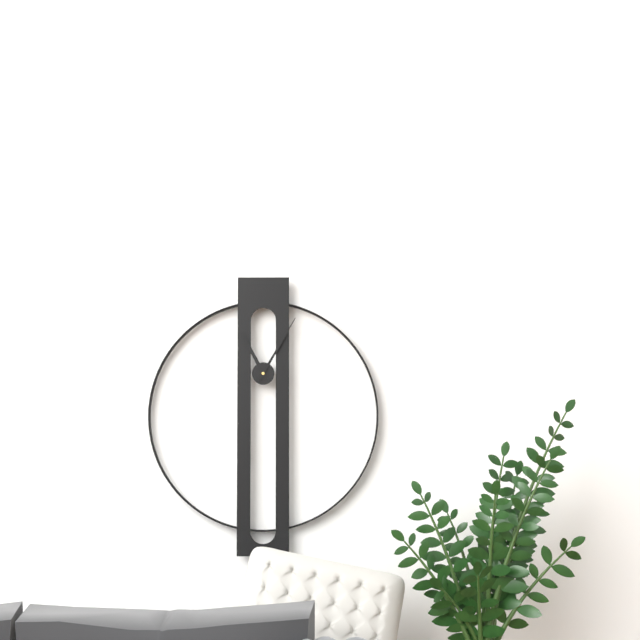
11 h 05 min
